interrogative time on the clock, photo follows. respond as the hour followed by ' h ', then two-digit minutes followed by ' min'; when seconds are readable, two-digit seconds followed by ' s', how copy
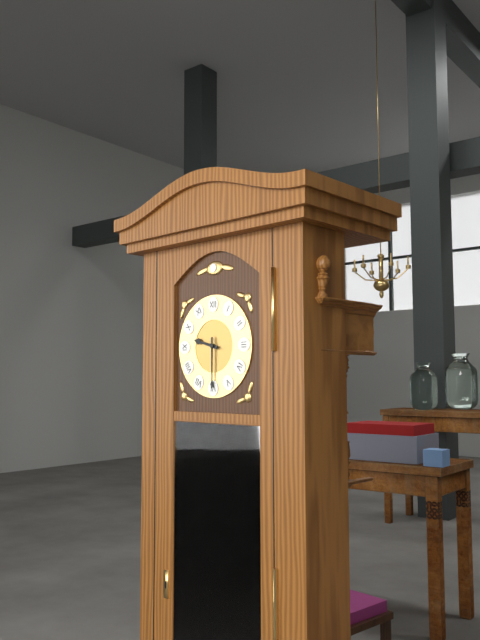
9 h 30 min
